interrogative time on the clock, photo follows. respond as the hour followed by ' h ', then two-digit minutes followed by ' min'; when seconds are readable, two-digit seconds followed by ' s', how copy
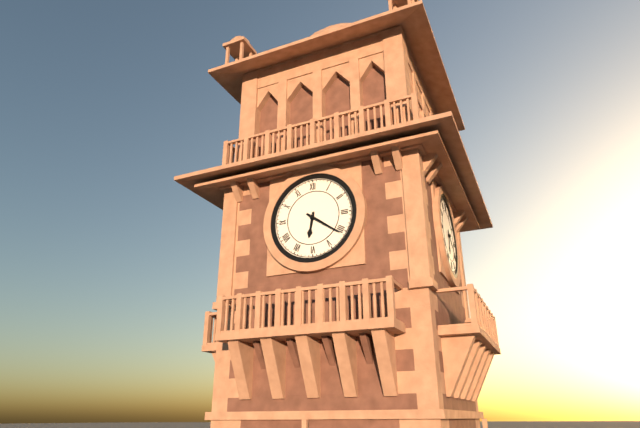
6 h 21 min
